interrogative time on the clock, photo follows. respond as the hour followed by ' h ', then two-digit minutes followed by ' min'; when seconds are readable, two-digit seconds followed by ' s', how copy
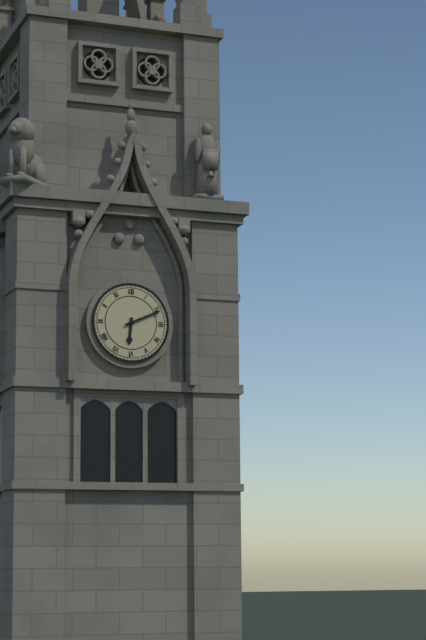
6 h 11 min
